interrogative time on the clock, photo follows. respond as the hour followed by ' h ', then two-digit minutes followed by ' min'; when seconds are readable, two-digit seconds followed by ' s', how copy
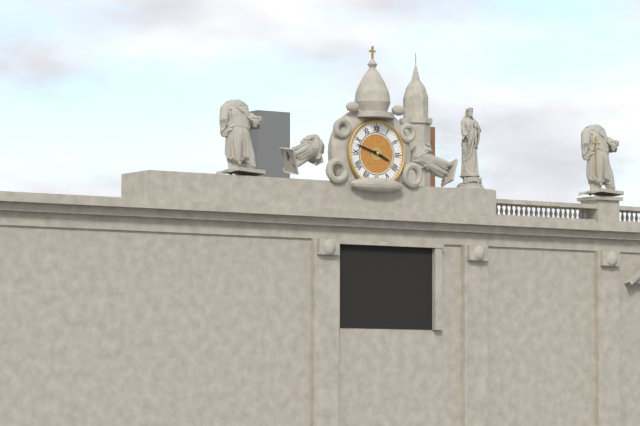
3 h 48 min
